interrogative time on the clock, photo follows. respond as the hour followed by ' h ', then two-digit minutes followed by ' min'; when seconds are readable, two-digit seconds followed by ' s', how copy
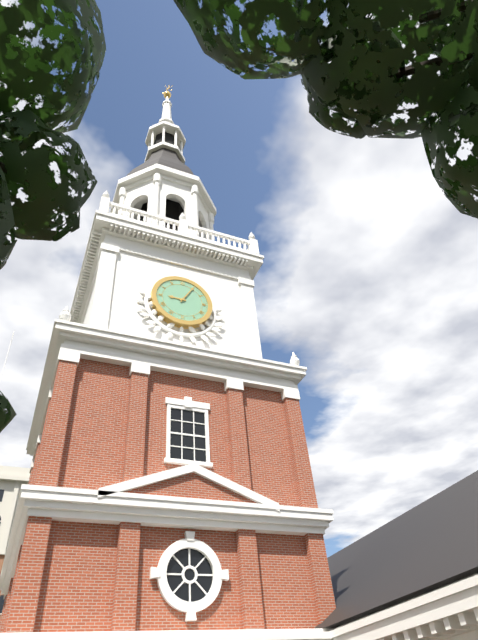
9 h 05 min
